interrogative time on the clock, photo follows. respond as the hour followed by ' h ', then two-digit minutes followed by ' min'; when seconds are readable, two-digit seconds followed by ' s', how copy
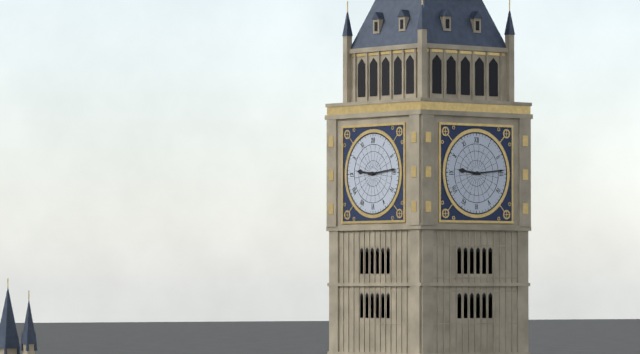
9 h 14 min
